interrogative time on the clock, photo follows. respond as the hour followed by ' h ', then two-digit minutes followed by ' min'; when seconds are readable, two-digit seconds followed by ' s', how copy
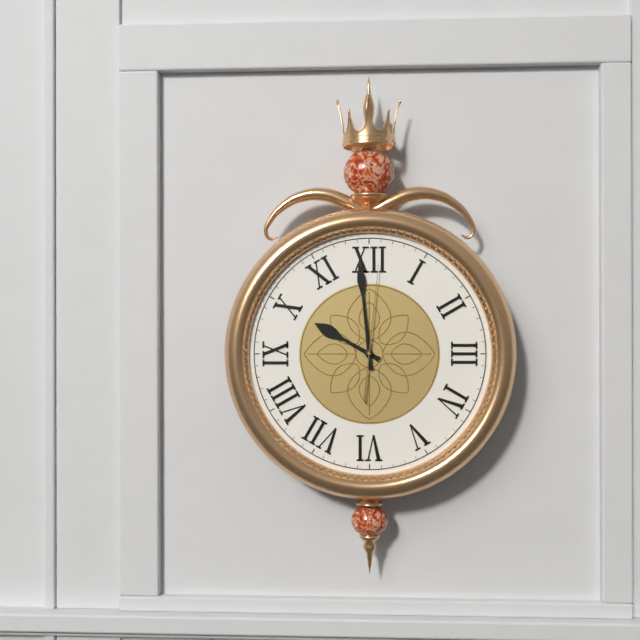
9 h 59 min 01 s
